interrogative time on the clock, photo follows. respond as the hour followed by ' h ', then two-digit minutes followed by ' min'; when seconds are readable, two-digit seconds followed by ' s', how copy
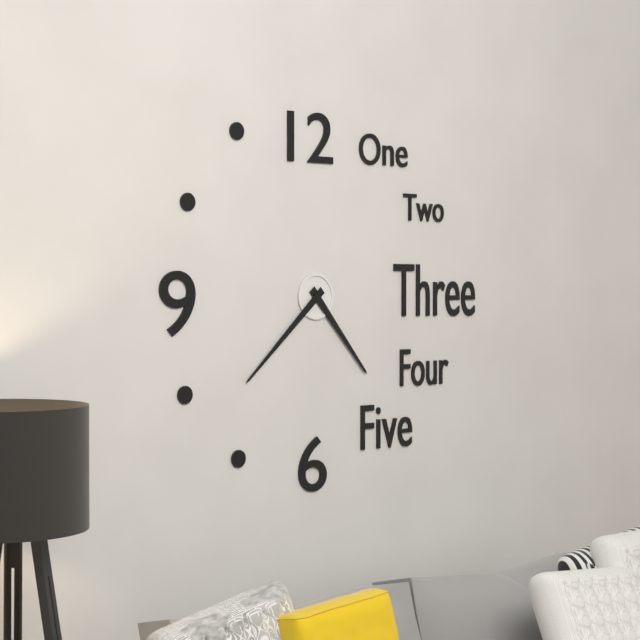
4 h 38 min
